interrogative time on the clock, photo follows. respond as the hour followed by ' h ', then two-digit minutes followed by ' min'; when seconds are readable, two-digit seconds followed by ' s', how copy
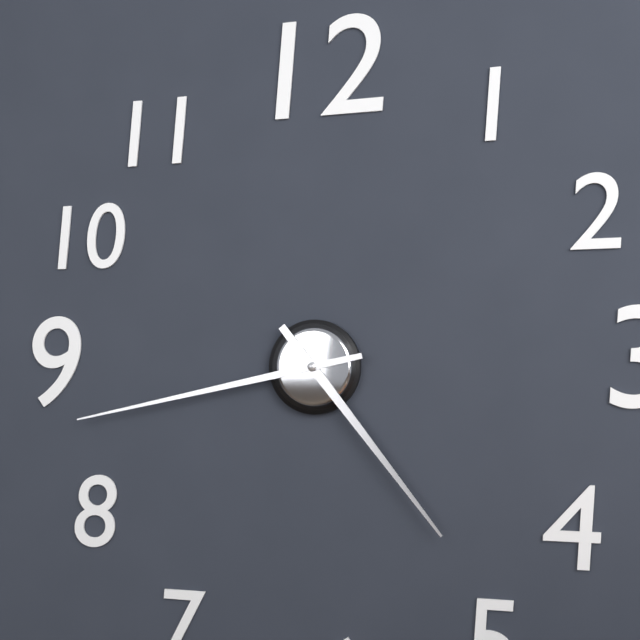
4 h 43 min
